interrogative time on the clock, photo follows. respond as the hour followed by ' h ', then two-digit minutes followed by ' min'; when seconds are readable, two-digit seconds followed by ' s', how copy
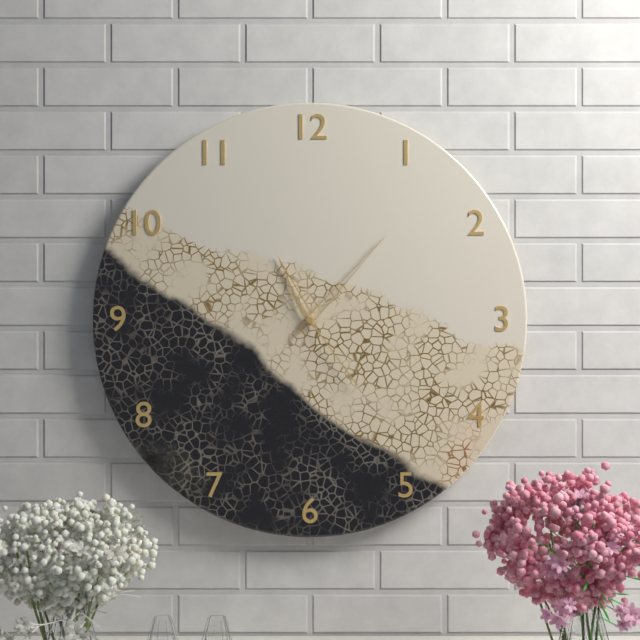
11 h 07 min 24 s
